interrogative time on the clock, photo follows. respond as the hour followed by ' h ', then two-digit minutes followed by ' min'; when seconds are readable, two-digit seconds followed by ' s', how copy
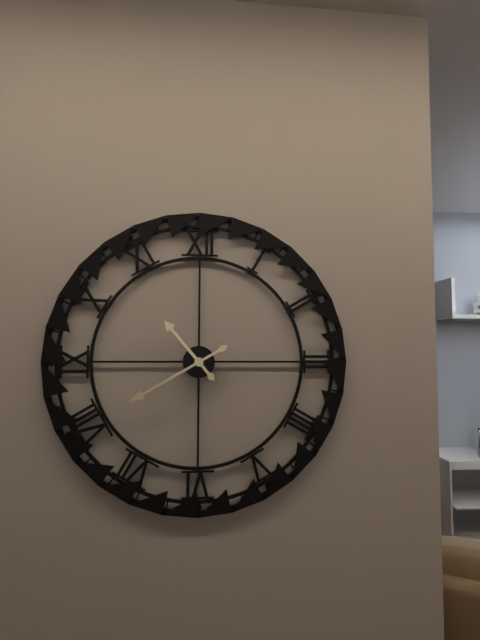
10 h 40 min
